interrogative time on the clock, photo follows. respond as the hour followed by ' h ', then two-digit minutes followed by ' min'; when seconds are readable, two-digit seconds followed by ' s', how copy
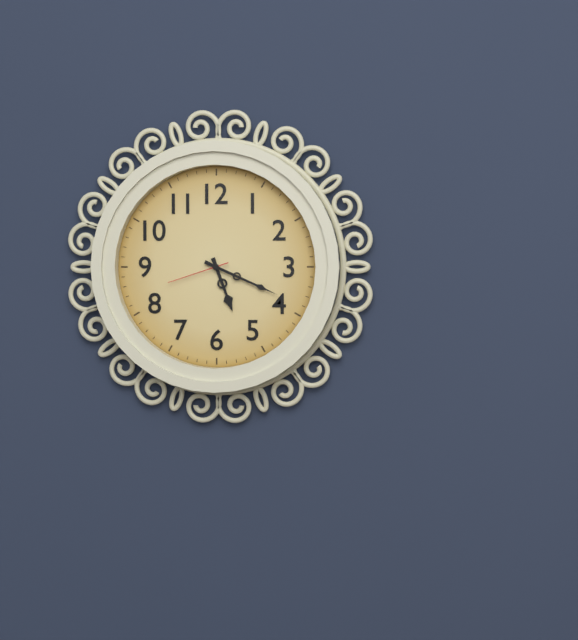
5 h 19 min 42 s
